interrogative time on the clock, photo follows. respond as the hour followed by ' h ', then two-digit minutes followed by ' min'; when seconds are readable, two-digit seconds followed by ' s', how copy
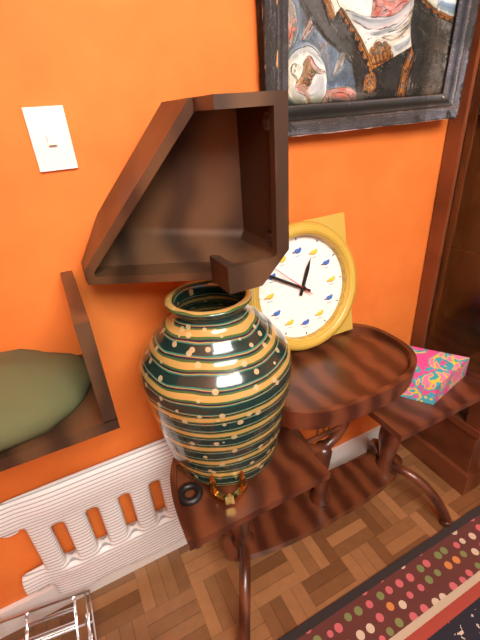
12 h 50 min 52 s
